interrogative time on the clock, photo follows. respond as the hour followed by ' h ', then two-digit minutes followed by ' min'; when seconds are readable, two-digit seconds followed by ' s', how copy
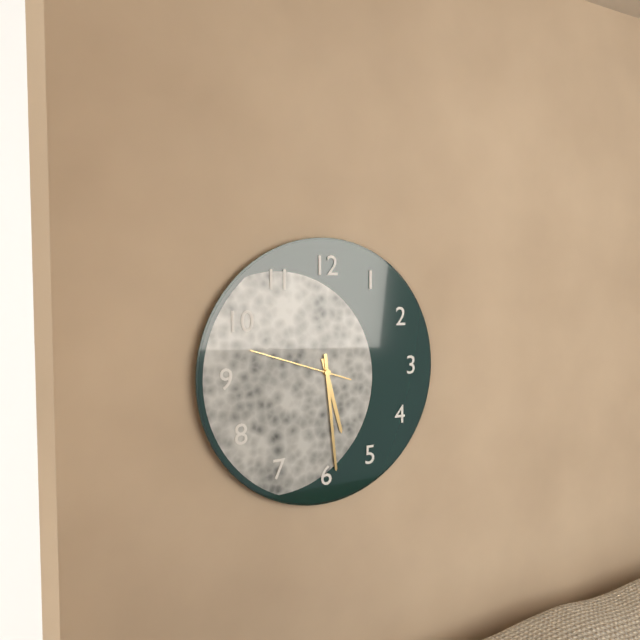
5 h 29 min 48 s
